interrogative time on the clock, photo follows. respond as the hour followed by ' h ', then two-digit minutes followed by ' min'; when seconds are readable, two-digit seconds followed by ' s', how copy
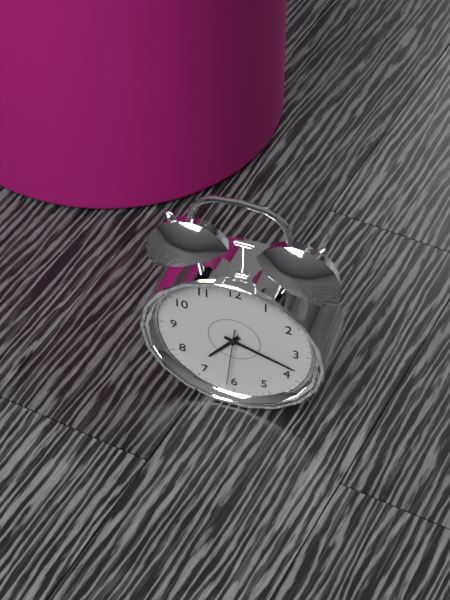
7 h 18 min 31 s
